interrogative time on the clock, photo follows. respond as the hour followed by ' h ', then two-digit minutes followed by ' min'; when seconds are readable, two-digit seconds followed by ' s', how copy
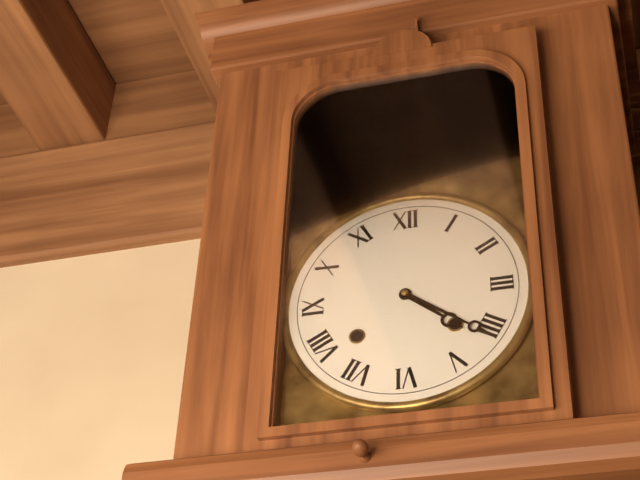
4 h 21 min
